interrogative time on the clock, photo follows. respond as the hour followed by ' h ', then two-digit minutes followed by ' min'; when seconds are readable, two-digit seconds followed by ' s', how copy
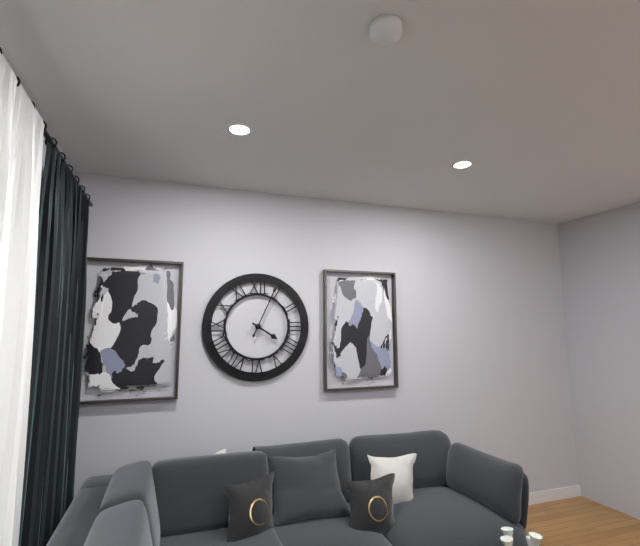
4 h 04 min
